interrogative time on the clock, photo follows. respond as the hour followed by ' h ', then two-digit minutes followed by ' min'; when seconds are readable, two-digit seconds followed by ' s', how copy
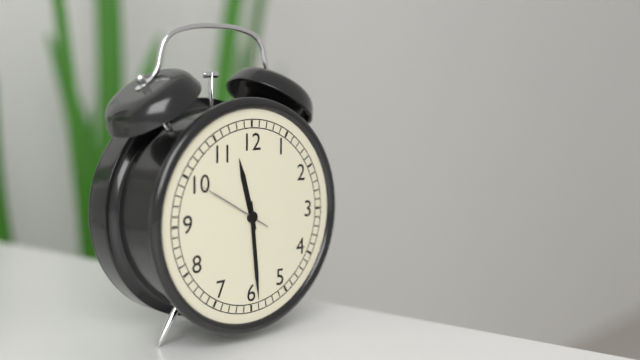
11 h 29 min 50 s
